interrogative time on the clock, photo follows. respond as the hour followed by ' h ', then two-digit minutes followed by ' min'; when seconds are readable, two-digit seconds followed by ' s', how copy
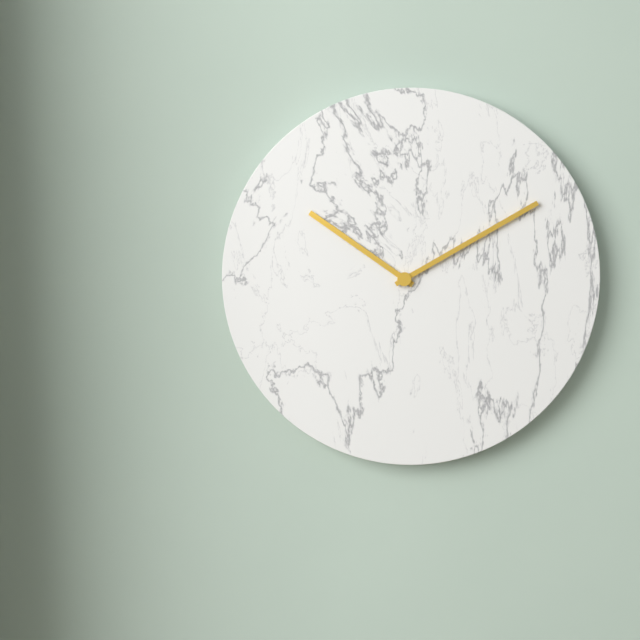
10 h 10 min
